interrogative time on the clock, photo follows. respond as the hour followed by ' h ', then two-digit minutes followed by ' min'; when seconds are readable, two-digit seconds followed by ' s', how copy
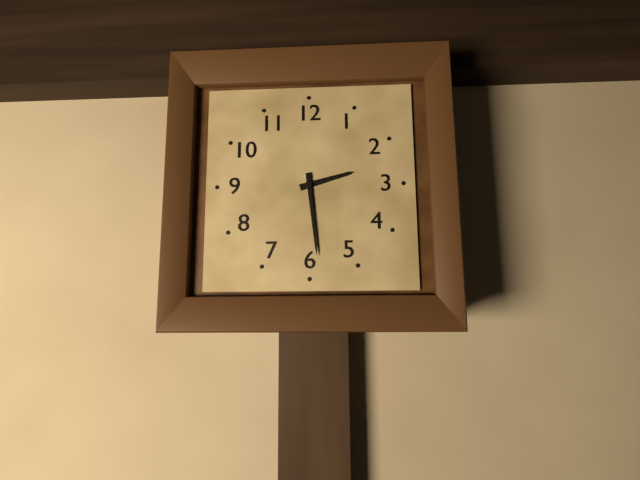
2 h 29 min
